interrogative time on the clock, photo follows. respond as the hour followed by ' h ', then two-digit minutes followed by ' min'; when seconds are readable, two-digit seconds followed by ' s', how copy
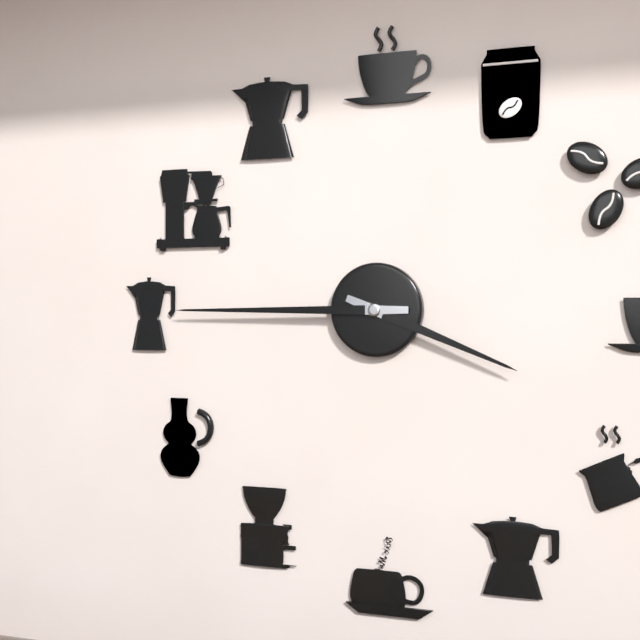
3 h 45 min
